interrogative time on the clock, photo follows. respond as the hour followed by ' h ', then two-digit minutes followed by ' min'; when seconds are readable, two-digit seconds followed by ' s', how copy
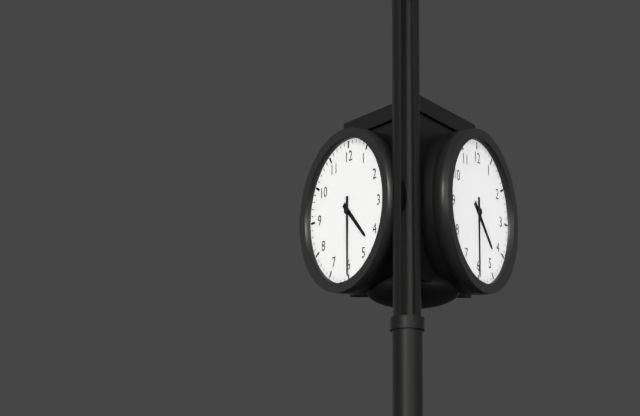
4 h 30 min
